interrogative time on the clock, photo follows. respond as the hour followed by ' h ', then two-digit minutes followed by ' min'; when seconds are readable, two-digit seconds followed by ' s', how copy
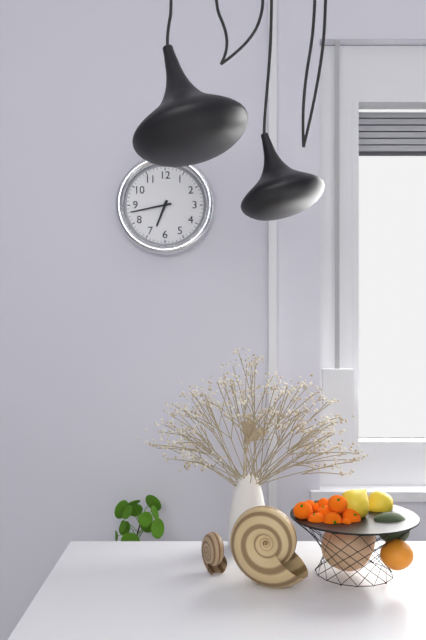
6 h 43 min
